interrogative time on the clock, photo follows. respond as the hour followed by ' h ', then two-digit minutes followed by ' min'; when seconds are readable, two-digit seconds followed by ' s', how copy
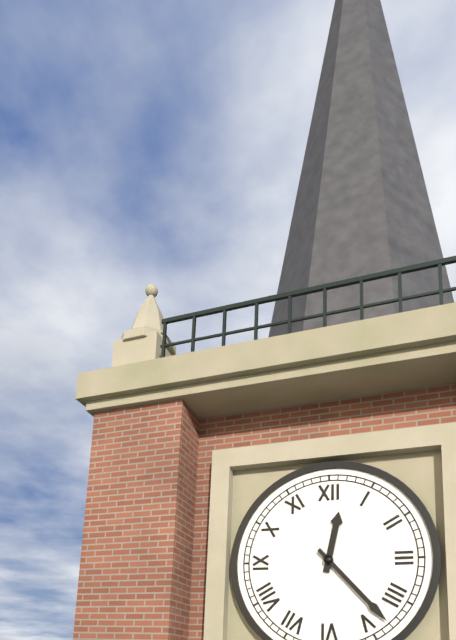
12 h 23 min
